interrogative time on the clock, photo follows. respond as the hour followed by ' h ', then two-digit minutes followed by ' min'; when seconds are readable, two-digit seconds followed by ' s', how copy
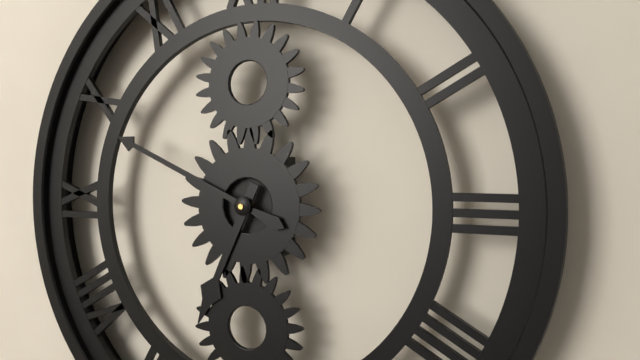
6 h 49 min
